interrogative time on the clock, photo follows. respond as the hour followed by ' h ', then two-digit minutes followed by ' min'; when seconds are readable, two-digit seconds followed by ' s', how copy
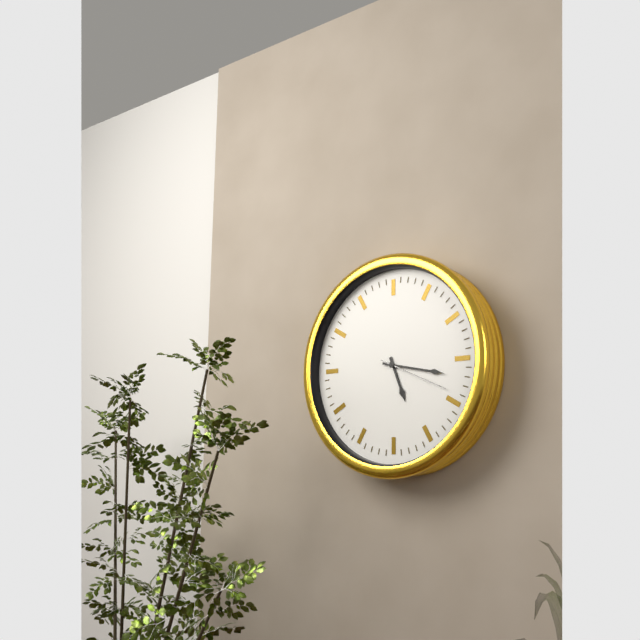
5 h 17 min
